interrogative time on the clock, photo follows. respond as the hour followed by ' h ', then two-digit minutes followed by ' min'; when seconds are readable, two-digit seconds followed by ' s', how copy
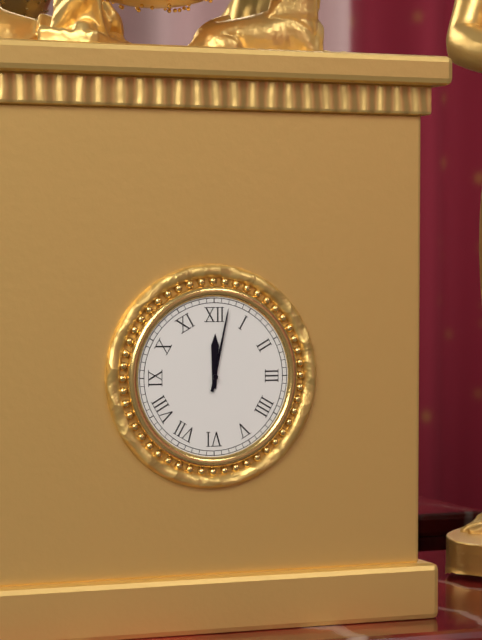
12 h 02 min
